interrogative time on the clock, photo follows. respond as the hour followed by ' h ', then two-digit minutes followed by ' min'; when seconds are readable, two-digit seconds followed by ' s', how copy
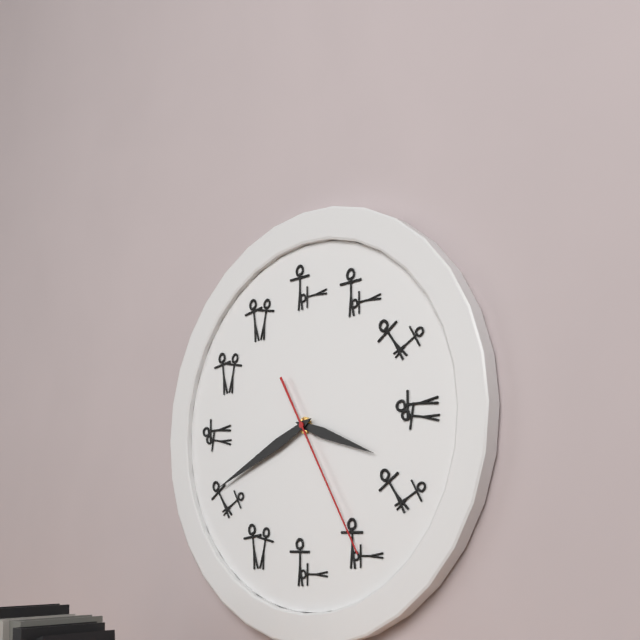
3 h 41 min 25 s
